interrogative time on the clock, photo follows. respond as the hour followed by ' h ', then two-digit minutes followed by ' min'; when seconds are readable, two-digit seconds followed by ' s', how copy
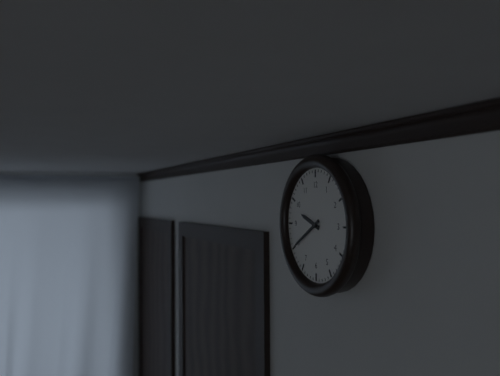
9 h 40 min
